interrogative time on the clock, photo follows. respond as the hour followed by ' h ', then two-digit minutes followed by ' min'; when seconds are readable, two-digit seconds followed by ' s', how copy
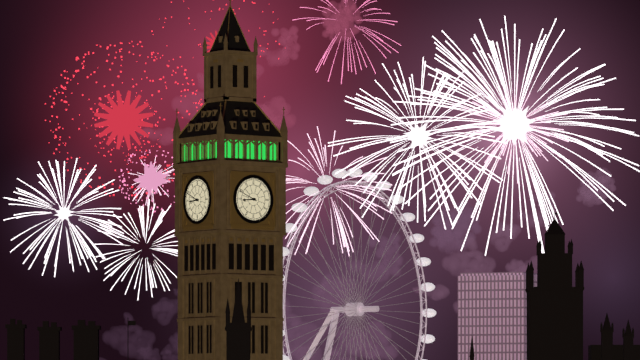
8 h 49 min
